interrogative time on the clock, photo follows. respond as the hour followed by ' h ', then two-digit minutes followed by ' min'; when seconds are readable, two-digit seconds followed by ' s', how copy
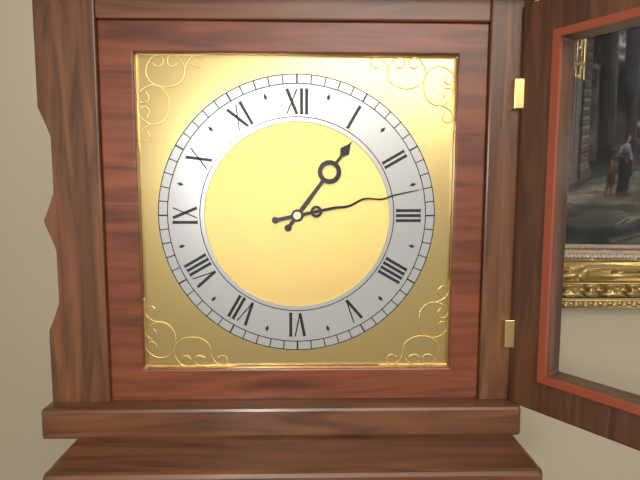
1 h 13 min
